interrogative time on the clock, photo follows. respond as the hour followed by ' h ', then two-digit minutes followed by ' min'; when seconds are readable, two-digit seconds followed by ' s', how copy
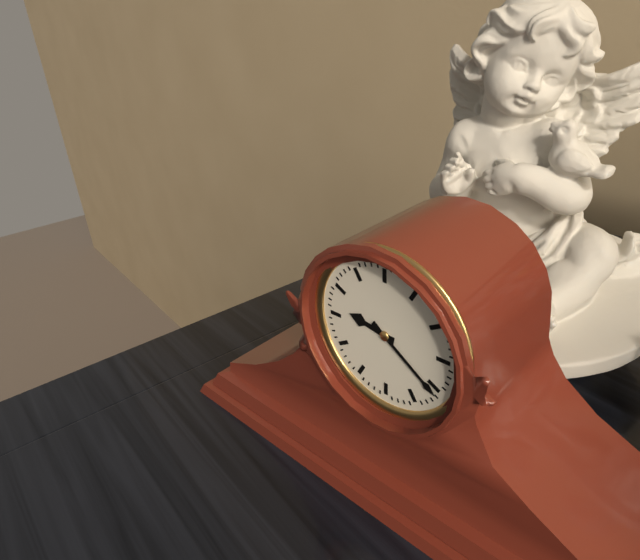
9 h 21 min
